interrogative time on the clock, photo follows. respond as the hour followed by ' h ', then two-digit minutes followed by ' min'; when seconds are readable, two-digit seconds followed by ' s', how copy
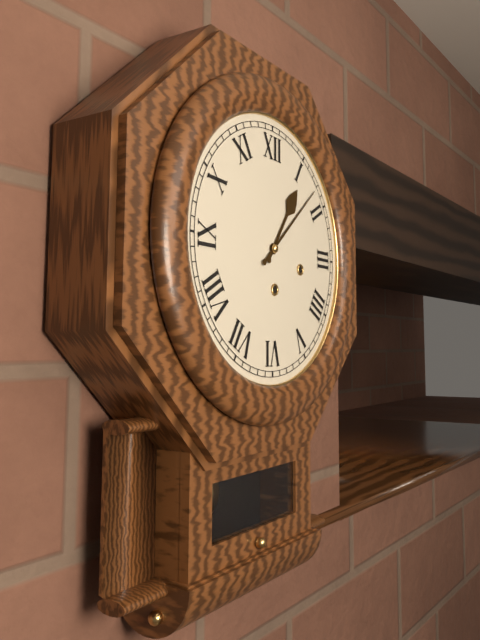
1 h 08 min
